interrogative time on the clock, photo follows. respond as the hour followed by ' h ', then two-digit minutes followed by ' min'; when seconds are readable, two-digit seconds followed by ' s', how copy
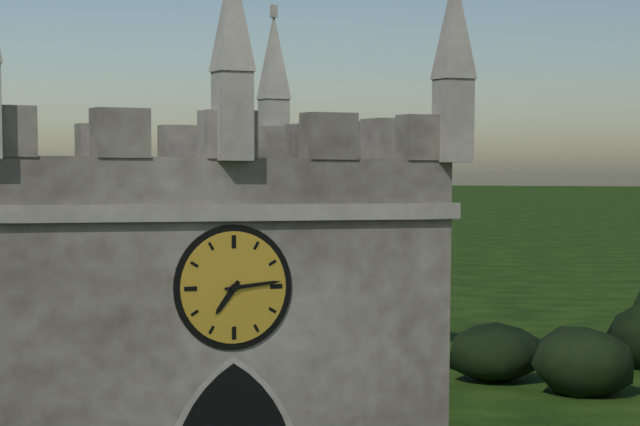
7 h 14 min
